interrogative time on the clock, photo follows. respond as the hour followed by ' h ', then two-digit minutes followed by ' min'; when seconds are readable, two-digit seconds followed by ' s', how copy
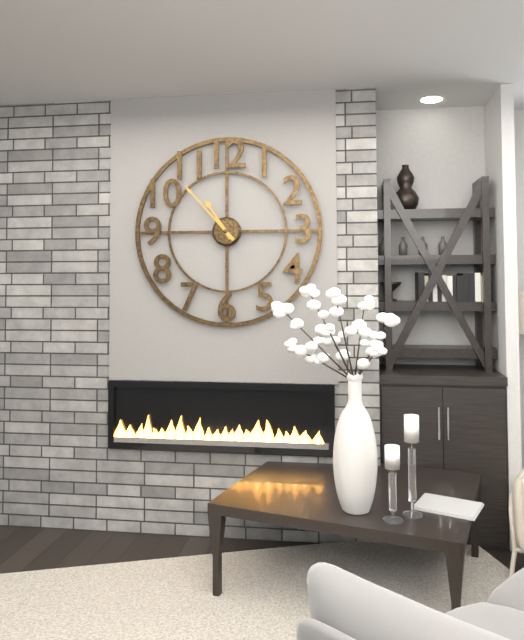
10 h 53 min
